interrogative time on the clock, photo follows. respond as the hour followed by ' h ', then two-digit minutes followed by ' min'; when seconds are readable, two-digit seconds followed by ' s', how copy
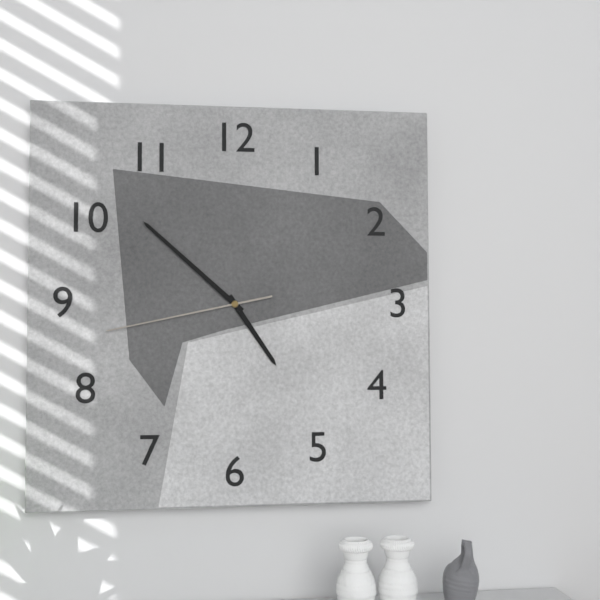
4 h 52 min 43 s
